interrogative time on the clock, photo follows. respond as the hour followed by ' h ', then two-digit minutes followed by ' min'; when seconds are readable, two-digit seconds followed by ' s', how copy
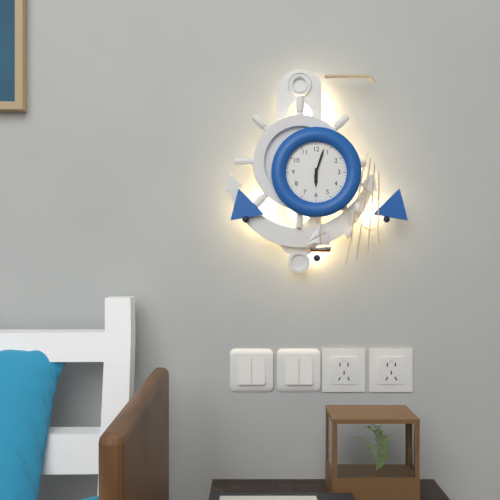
6 h 03 min
